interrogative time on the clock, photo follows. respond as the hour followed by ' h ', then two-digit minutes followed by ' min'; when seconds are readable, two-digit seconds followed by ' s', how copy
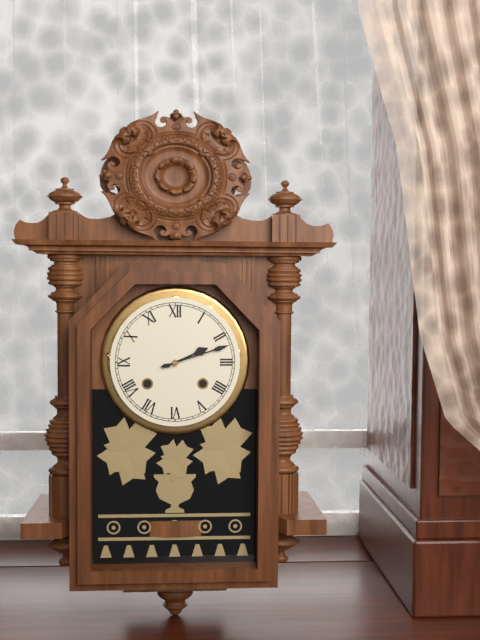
2 h 12 min
